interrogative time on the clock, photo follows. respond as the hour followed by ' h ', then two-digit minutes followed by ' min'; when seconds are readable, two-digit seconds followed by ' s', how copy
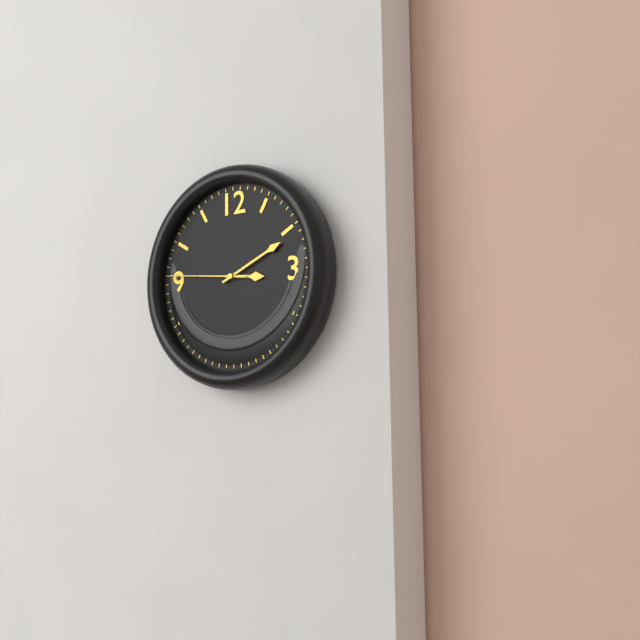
3 h 11 min 46 s
